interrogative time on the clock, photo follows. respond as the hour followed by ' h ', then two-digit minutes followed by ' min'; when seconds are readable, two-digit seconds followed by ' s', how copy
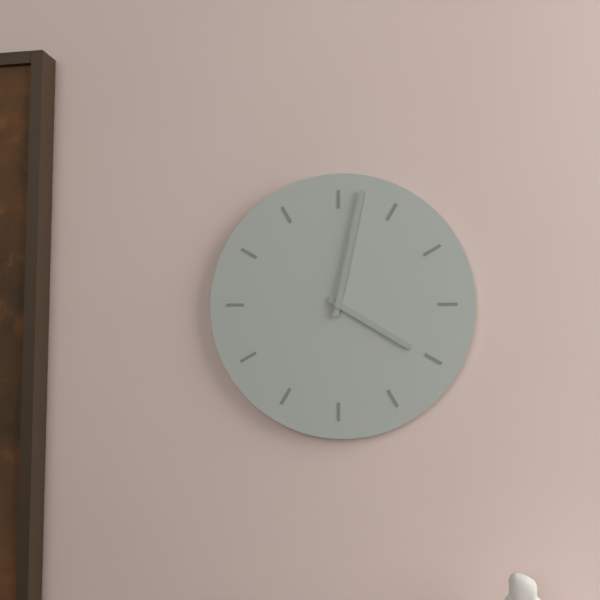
4 h 02 min
